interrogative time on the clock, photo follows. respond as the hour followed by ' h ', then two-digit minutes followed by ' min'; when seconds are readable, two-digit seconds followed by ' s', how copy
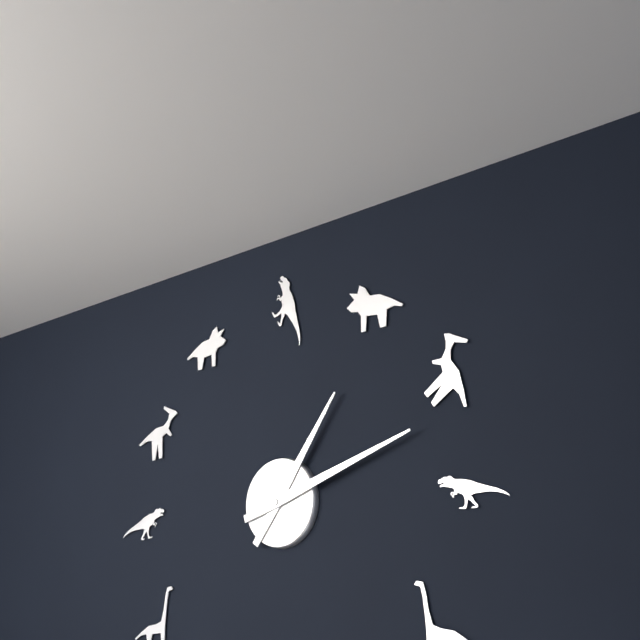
1 h 12 min
